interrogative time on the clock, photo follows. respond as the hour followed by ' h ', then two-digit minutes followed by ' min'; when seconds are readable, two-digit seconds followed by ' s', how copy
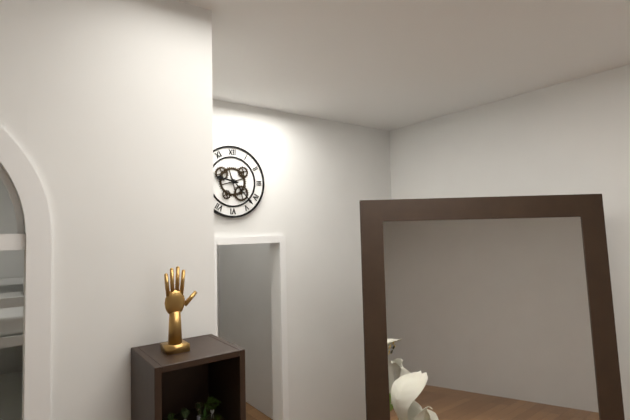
9 h 23 min
